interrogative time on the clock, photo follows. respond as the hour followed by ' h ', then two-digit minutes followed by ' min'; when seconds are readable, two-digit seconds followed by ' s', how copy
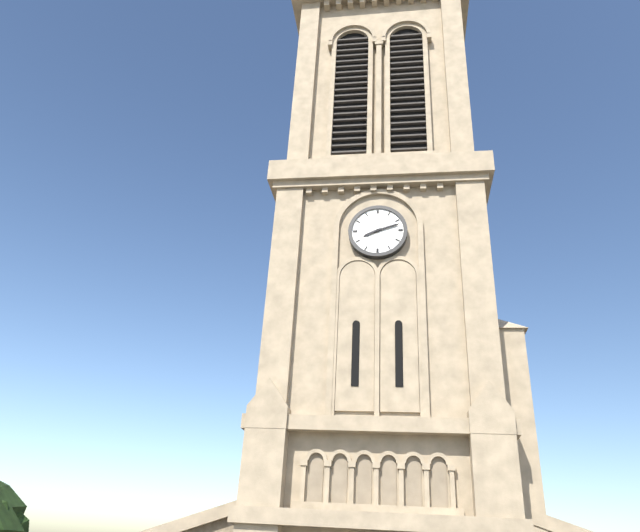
8 h 12 min
